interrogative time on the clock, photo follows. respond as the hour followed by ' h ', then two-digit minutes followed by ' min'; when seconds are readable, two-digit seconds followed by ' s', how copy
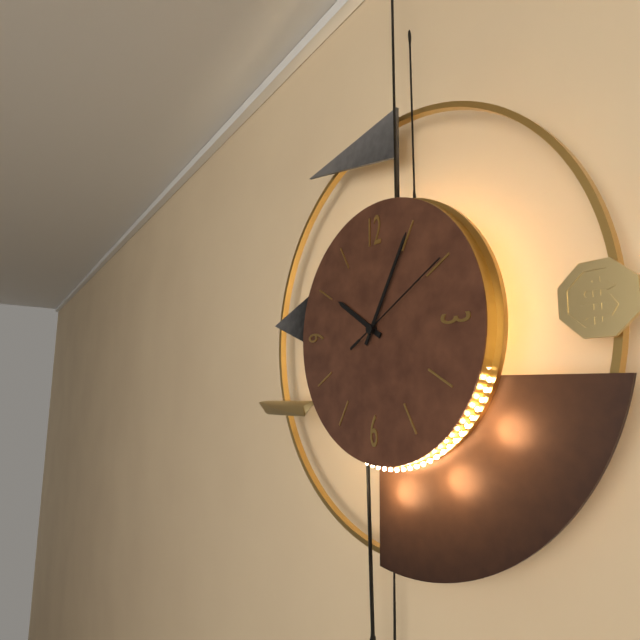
10 h 05 min 10 s
